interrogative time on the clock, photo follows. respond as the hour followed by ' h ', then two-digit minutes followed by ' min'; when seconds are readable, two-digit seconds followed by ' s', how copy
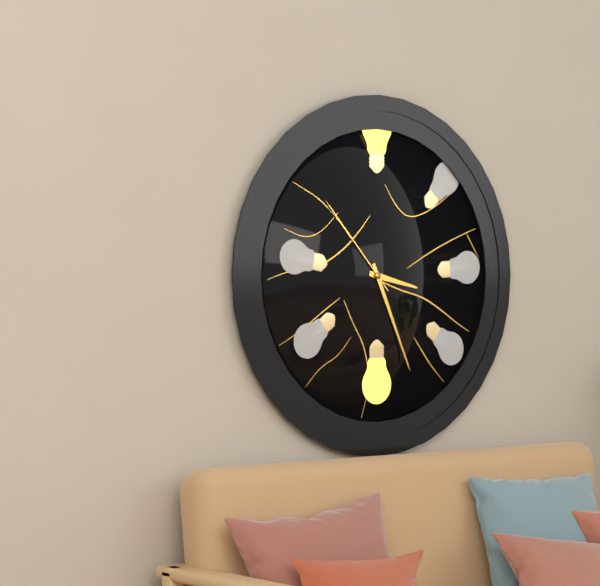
3 h 26 min 53 s
